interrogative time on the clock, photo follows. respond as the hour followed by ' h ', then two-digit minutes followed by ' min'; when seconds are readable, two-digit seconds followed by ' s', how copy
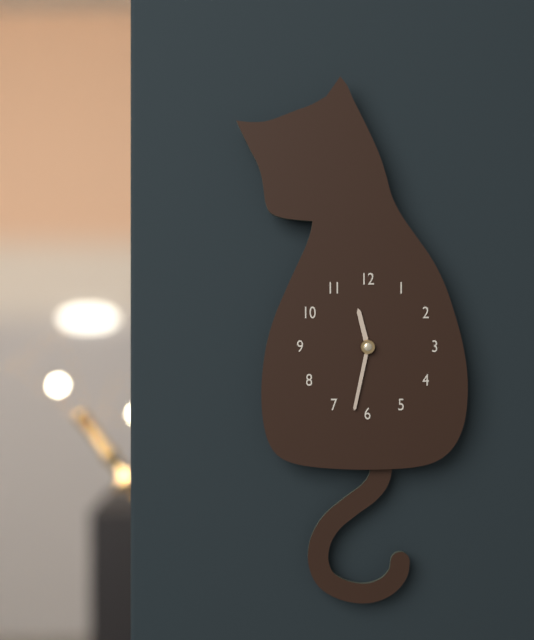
11 h 32 min
